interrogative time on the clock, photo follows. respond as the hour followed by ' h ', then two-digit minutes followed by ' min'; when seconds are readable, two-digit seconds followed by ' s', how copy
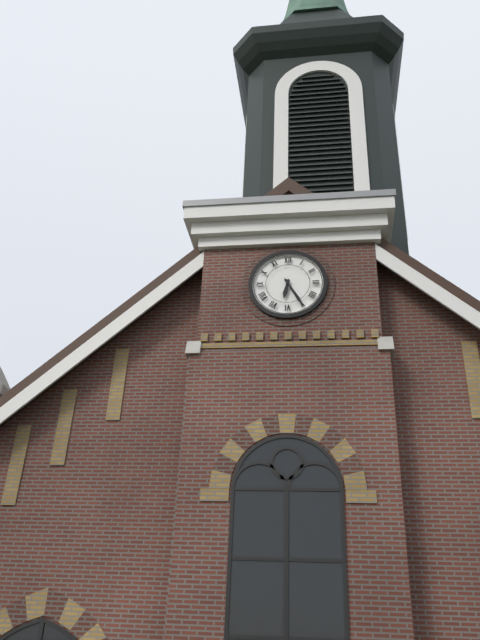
6 h 25 min
